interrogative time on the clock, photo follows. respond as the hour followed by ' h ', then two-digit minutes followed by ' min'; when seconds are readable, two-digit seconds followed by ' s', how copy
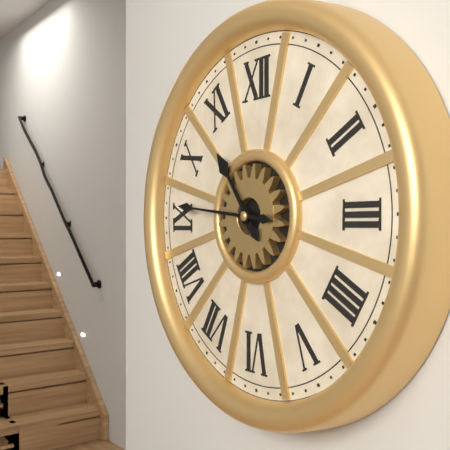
10 h 46 min
